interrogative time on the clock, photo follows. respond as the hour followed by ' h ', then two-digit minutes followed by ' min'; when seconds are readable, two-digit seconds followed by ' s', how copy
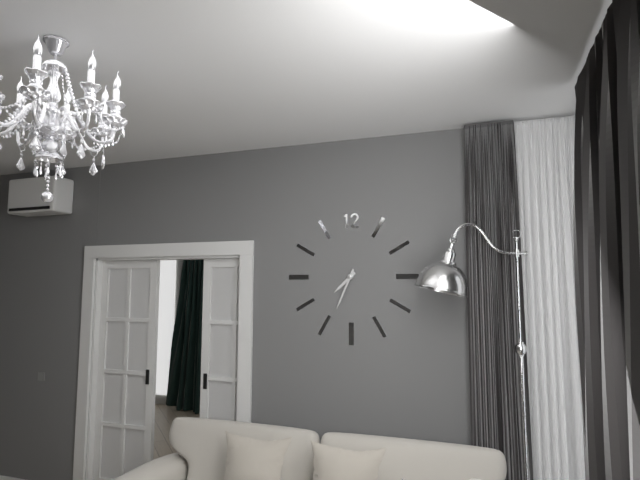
7 h 34 min
